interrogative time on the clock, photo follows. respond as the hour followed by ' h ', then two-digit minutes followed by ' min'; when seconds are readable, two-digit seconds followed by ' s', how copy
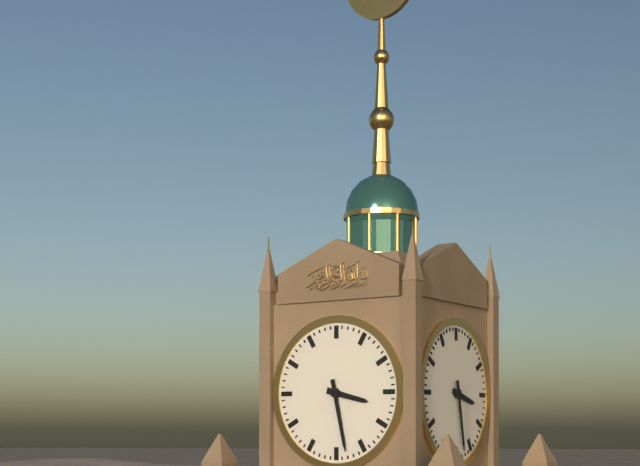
3 h 28 min
